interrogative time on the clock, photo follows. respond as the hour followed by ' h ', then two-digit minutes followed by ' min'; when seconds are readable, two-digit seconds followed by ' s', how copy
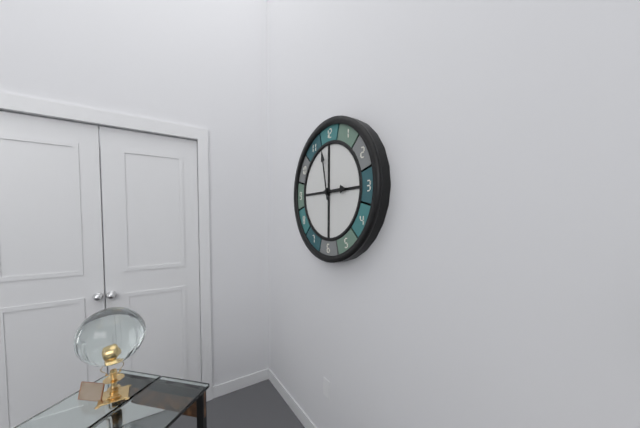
2 h 58 min
